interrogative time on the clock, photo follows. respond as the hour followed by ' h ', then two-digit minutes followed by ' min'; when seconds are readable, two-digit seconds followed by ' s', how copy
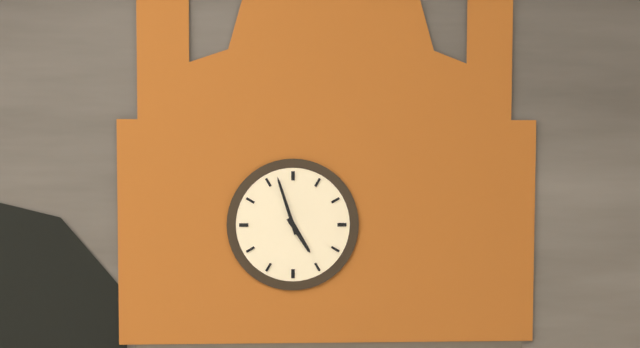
4 h 57 min
